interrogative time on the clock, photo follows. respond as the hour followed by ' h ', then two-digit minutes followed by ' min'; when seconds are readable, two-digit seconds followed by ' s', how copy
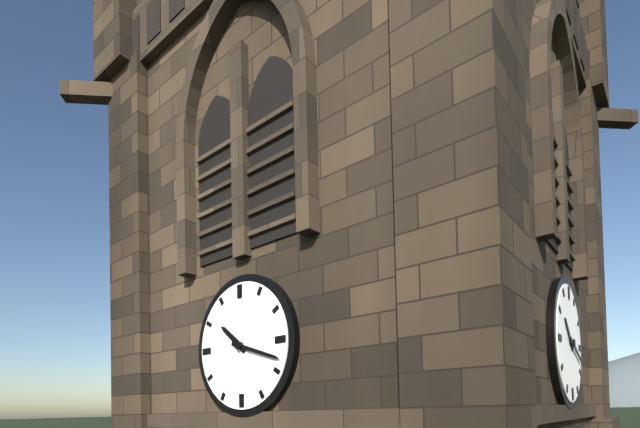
10 h 18 min
